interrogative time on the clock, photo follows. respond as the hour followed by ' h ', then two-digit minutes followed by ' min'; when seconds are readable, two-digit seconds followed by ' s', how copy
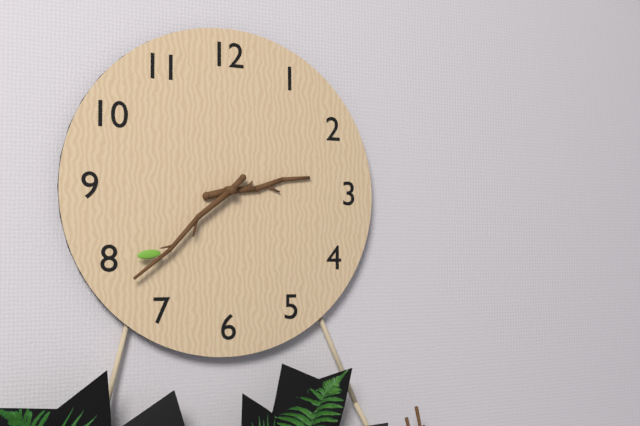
2 h 38 min
